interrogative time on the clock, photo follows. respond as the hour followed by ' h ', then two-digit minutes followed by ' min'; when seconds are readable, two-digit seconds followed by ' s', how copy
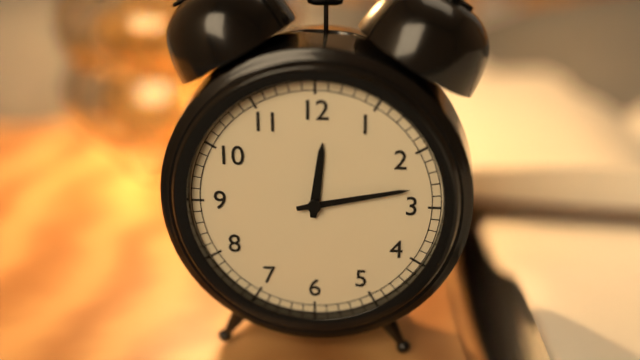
12 h 13 min
